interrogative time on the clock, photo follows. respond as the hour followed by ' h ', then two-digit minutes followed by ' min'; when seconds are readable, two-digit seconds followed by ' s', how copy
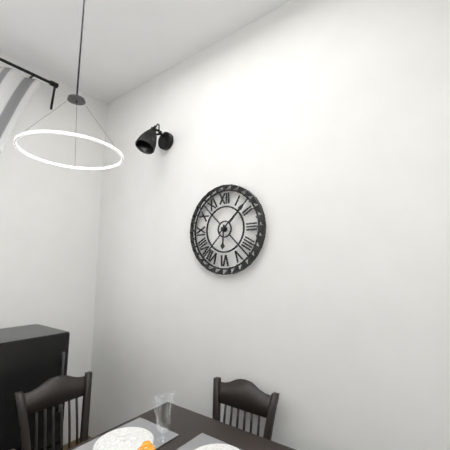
6 h 08 min
